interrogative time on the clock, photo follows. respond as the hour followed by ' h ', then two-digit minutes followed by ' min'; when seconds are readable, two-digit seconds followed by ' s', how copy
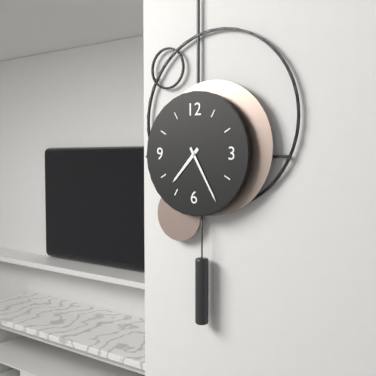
7 h 25 min
